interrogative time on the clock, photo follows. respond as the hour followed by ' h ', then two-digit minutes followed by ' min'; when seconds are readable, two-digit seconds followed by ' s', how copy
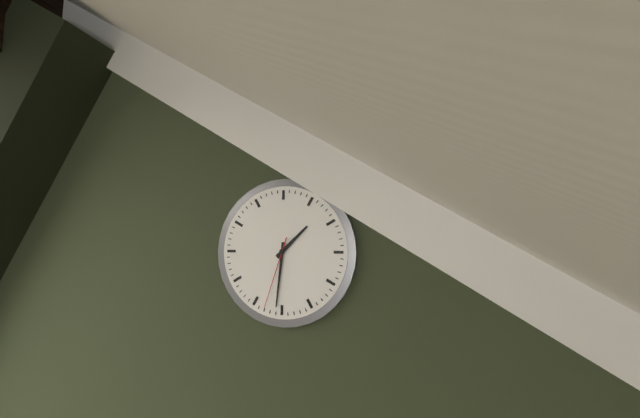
1 h 31 min 33 s
